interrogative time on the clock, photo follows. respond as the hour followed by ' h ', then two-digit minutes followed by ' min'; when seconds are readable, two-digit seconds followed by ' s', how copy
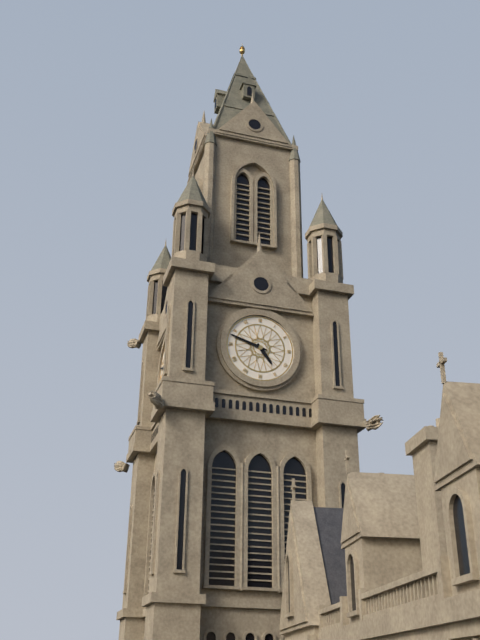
4 h 48 min
